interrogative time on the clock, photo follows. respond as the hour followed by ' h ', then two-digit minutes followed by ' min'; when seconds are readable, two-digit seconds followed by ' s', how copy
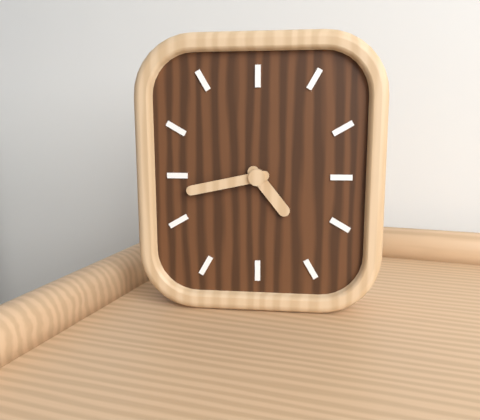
4 h 43 min
